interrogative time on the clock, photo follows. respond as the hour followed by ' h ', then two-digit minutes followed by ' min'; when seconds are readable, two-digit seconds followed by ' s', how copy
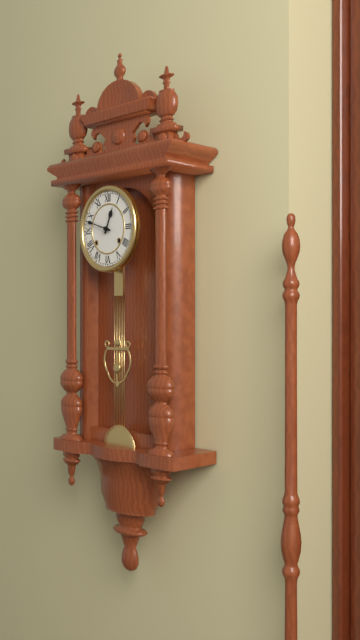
12 h 48 min
